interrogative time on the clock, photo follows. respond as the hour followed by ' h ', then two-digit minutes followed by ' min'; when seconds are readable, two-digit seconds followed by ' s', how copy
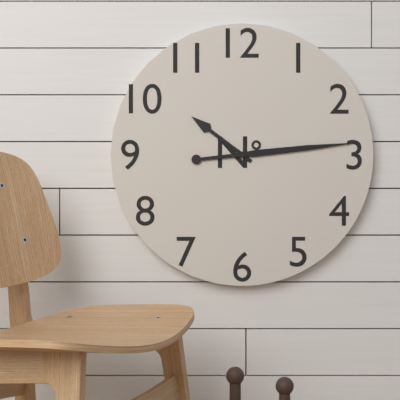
10 h 14 min
